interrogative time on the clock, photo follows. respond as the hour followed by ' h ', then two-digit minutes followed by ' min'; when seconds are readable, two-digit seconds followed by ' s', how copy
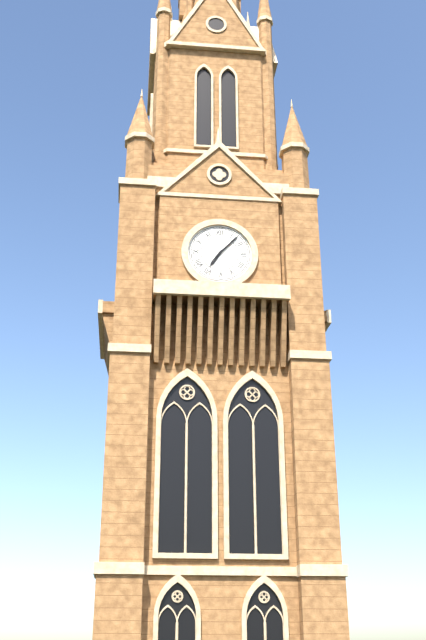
7 h 07 min
